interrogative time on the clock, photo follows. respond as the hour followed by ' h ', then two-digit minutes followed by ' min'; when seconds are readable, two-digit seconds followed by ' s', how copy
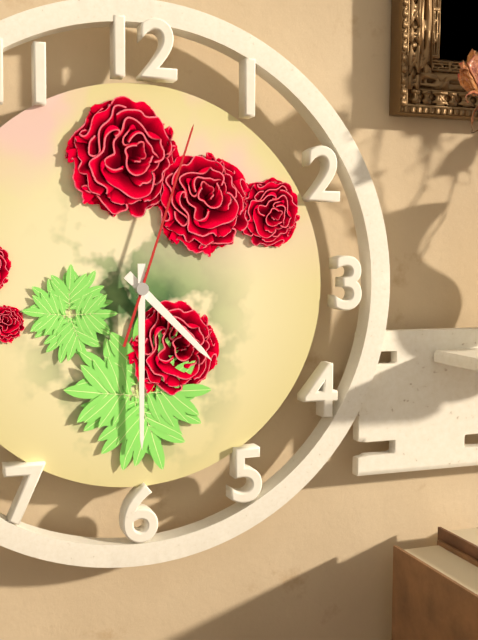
4 h 30 min 03 s
